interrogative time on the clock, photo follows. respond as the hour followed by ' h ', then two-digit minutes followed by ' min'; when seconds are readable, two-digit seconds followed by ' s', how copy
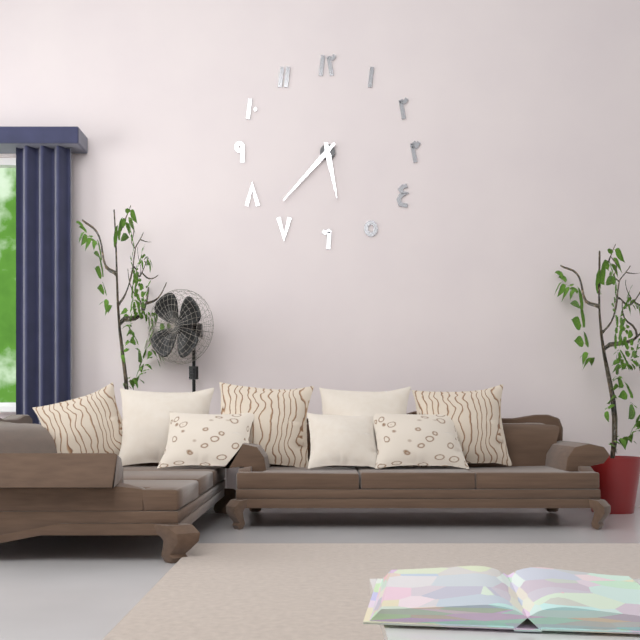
5 h 37 min
